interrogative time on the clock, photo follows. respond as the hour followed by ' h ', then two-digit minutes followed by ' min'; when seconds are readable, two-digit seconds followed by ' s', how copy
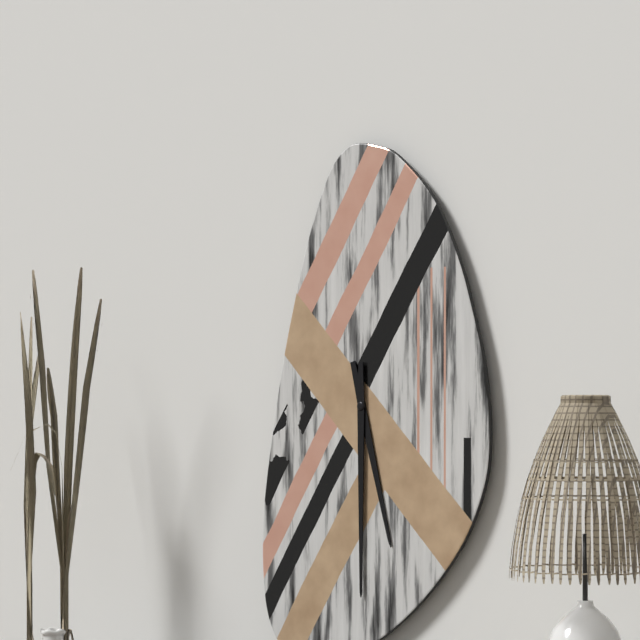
5 h 30 min
